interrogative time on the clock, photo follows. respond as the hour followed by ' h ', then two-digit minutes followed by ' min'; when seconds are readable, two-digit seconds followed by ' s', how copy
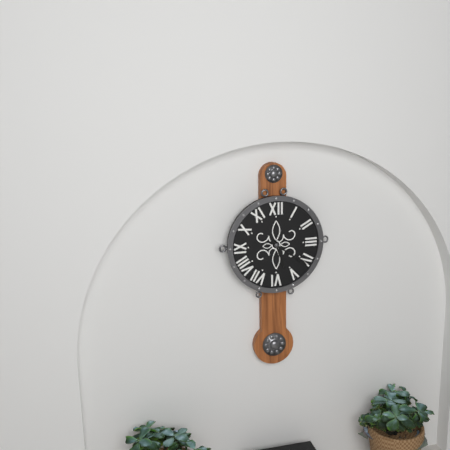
5 h 21 min
